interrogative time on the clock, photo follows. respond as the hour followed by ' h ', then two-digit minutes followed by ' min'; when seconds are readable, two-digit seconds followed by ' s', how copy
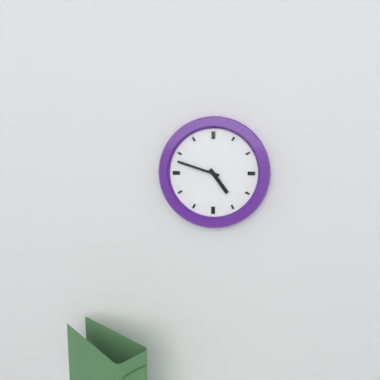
4 h 48 min
